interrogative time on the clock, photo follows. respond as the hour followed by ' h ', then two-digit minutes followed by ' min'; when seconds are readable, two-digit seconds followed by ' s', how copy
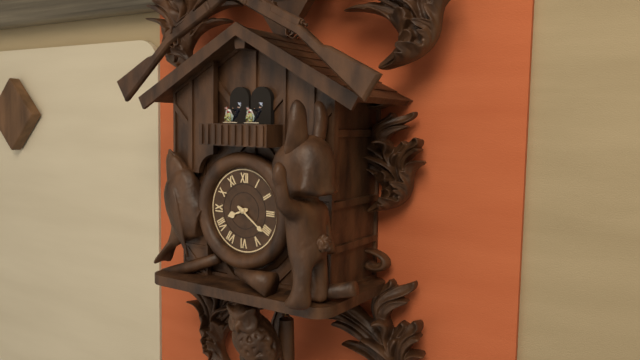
8 h 21 min
